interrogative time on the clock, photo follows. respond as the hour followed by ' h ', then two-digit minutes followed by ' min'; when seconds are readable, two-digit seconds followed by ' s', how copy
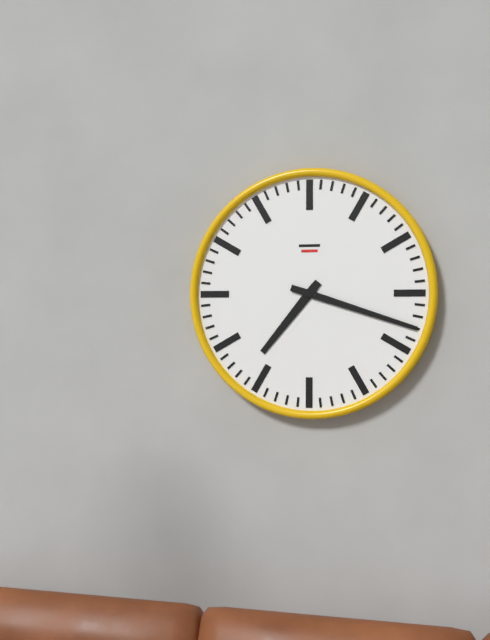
7 h 18 min
